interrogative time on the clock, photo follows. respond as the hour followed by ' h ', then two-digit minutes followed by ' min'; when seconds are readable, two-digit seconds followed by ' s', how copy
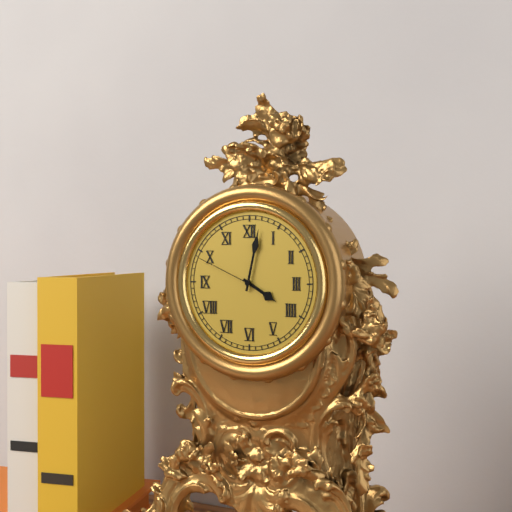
4 h 02 min 49 s
